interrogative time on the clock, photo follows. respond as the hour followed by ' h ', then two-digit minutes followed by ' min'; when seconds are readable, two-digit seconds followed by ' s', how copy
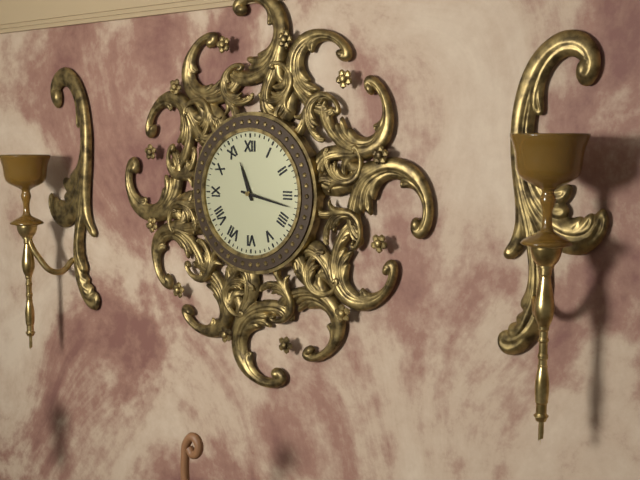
11 h 17 min
